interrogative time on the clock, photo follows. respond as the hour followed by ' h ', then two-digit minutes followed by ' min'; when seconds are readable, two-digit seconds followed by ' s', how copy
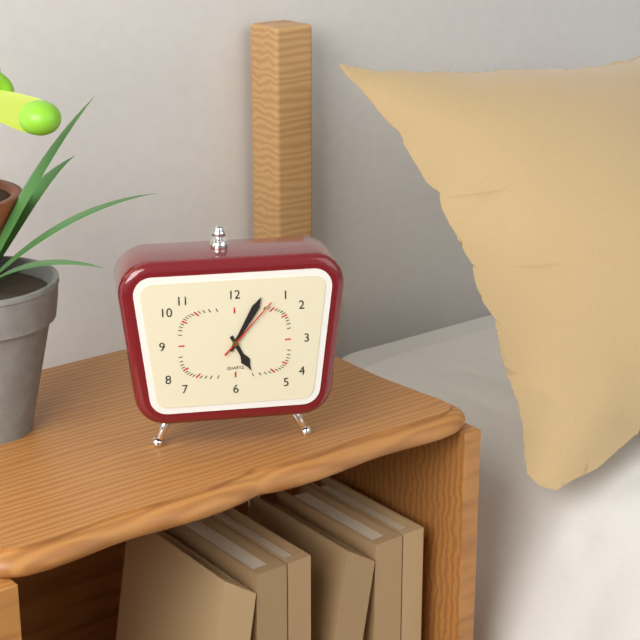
5 h 05 min 07 s
